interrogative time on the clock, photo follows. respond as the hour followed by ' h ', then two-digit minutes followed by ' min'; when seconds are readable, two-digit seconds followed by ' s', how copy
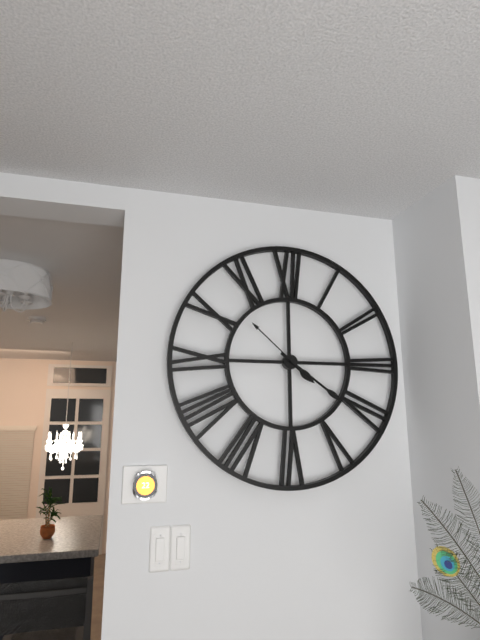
4 h 21 min 52 s
